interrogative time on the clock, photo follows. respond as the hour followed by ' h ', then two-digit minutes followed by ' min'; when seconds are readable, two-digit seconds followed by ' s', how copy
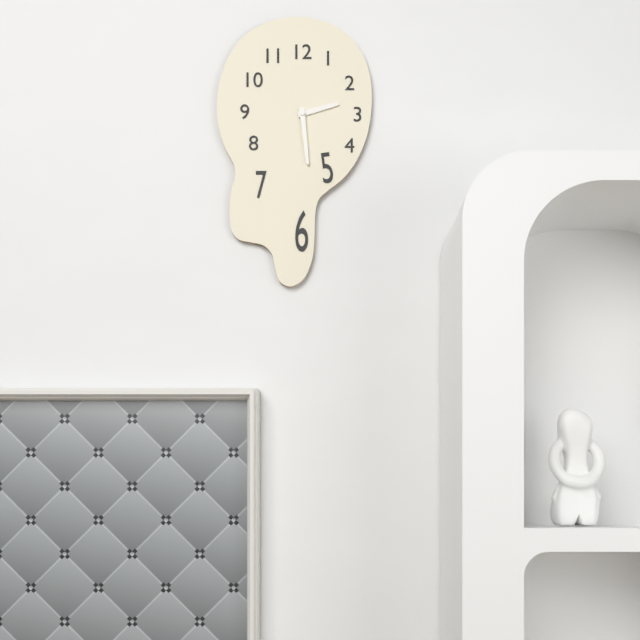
2 h 29 min
